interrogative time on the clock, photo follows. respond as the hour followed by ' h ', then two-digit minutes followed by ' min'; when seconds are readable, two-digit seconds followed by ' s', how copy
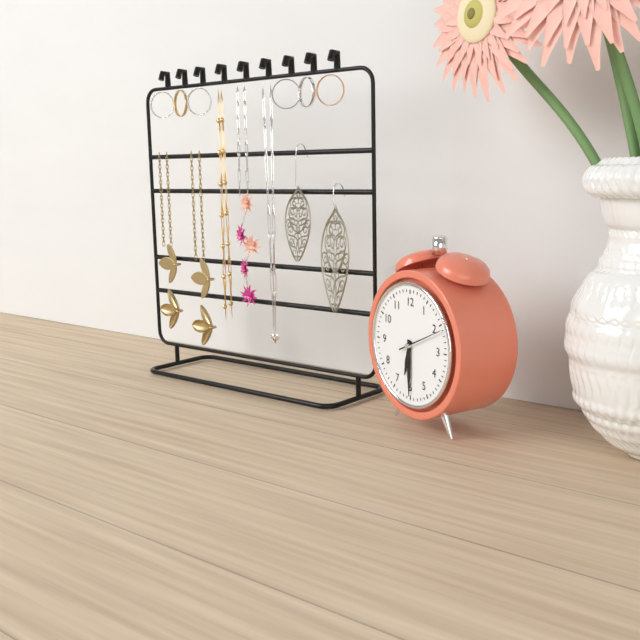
6 h 30 min
